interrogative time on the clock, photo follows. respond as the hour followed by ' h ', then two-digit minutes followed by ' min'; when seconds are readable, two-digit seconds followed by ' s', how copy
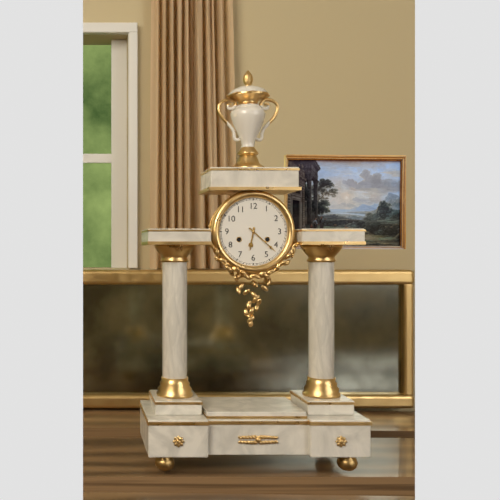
6 h 22 min
